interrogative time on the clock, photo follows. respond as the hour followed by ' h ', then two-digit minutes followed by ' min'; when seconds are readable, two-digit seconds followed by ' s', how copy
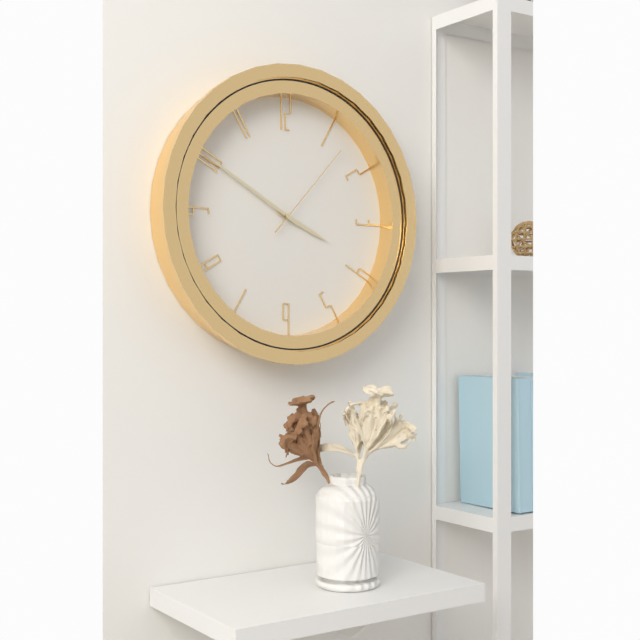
3 h 50 min 07 s
